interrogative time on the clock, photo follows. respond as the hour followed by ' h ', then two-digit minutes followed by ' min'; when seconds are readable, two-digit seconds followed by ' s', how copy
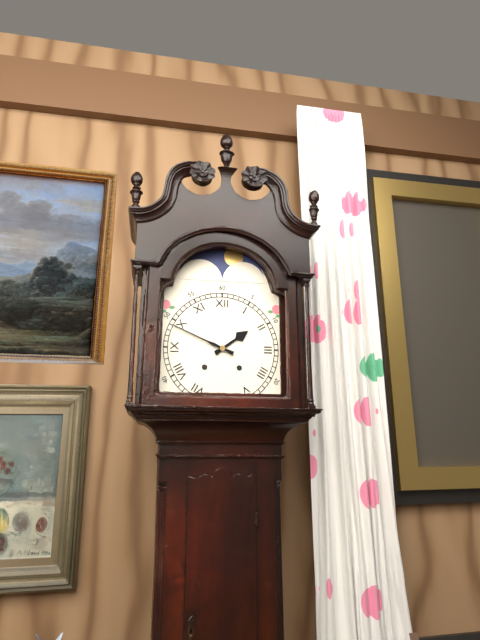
1 h 49 min
